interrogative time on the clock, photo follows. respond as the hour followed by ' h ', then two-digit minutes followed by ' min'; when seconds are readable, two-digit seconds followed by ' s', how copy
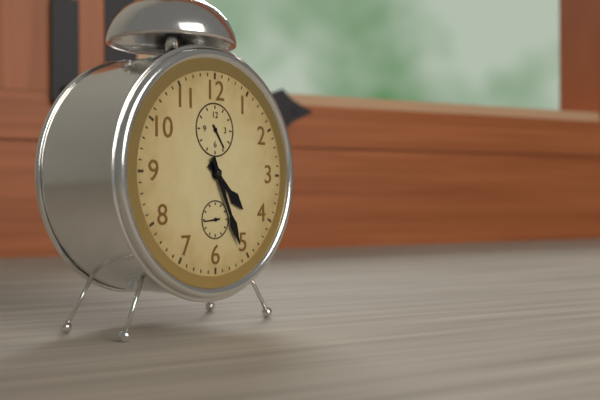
4 h 26 min
